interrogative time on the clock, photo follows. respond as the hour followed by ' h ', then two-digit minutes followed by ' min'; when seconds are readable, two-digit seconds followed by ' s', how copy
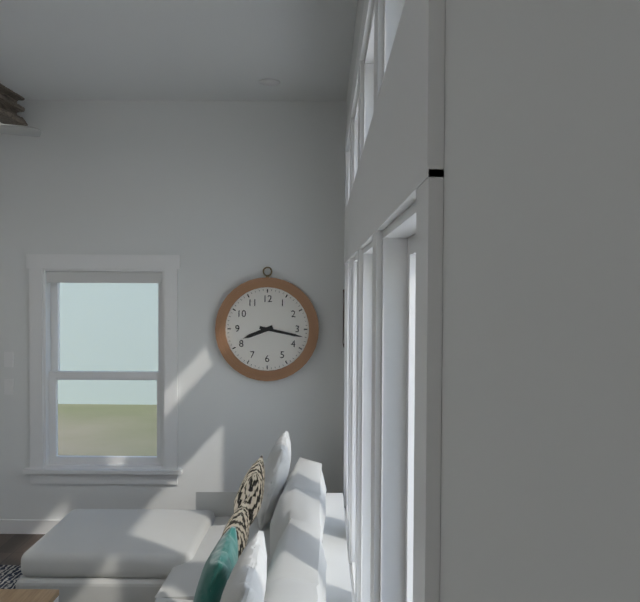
8 h 17 min
